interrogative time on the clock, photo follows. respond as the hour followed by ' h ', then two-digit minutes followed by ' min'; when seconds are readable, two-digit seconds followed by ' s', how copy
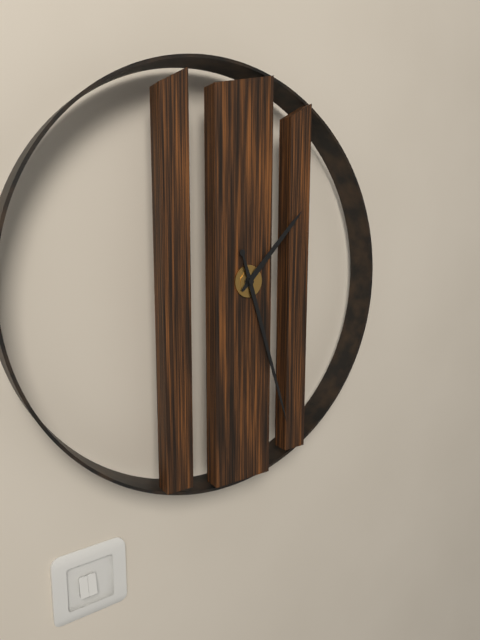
1 h 27 min
